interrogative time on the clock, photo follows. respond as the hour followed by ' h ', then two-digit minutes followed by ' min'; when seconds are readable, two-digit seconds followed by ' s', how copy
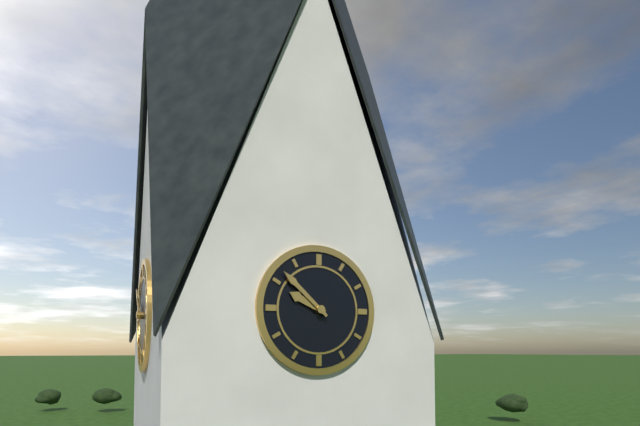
9 h 52 min
